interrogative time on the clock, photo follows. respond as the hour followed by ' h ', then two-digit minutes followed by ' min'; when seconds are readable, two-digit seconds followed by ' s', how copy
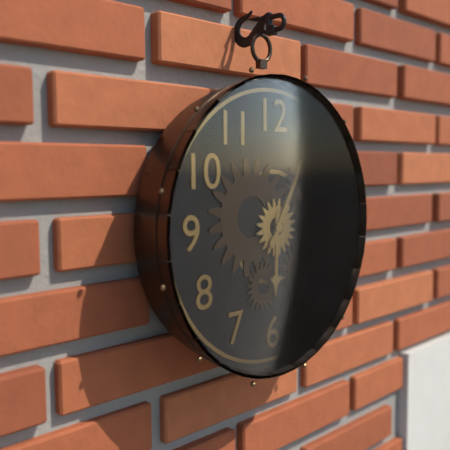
6 h 05 min
